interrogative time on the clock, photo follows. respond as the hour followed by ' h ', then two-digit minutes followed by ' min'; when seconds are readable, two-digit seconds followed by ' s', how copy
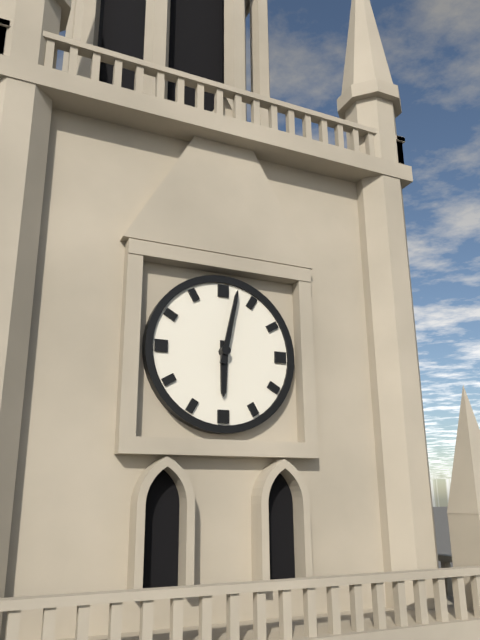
6 h 02 min
